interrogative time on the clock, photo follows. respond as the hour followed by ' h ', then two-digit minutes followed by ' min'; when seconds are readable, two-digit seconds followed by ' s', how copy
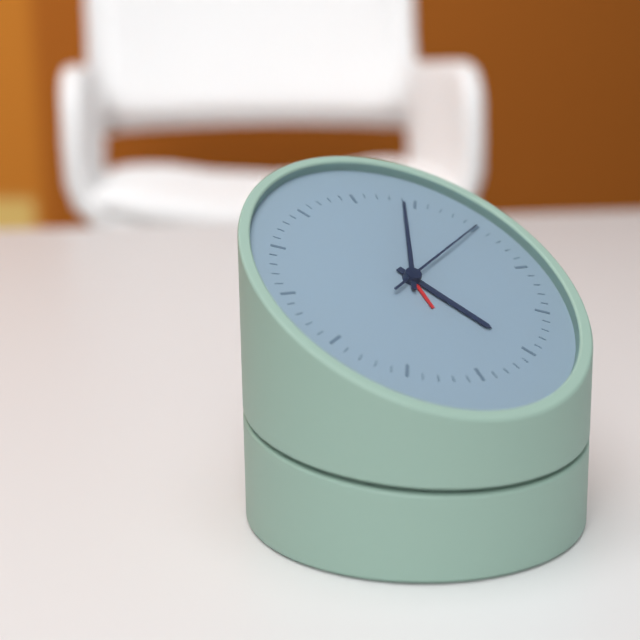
5 h 04 min 10 s
